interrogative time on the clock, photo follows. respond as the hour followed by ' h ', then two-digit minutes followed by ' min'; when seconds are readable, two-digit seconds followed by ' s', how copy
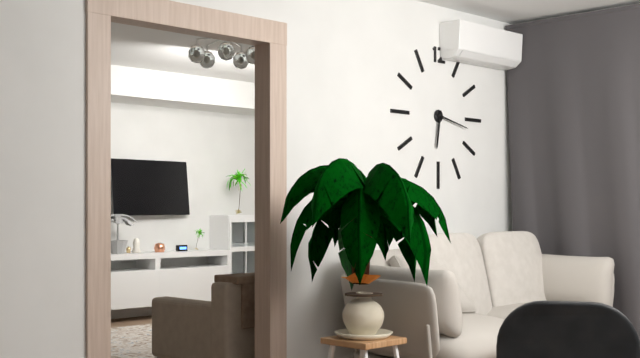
6 h 17 min
